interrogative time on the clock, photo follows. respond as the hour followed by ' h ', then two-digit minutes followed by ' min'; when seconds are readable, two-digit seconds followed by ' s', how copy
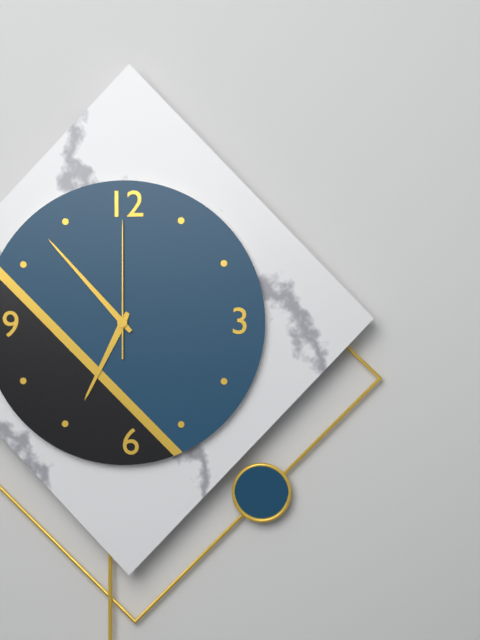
6 h 53 min 00 s
